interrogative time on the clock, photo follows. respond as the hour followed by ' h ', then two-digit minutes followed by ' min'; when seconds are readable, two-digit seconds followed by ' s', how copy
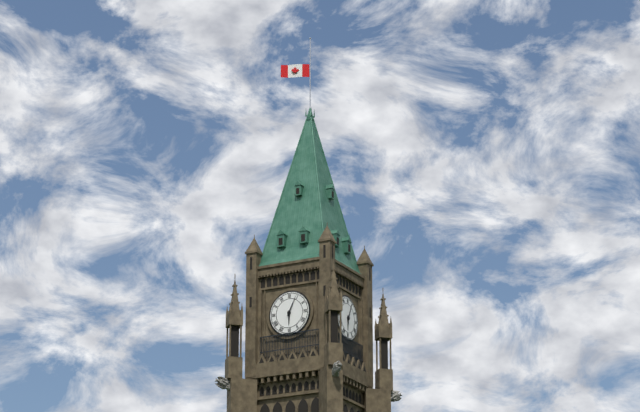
6 h 04 min
